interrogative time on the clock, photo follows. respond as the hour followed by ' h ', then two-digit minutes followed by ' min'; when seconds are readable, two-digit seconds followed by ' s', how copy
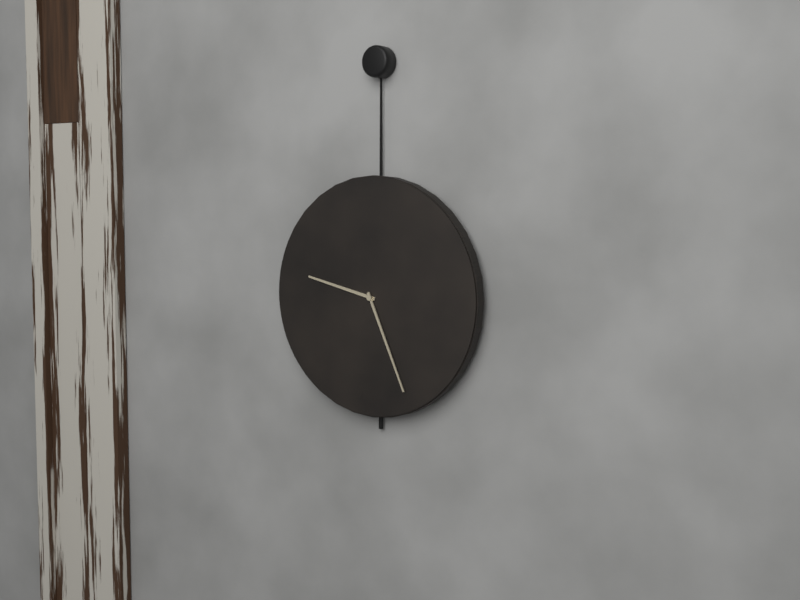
9 h 26 min
